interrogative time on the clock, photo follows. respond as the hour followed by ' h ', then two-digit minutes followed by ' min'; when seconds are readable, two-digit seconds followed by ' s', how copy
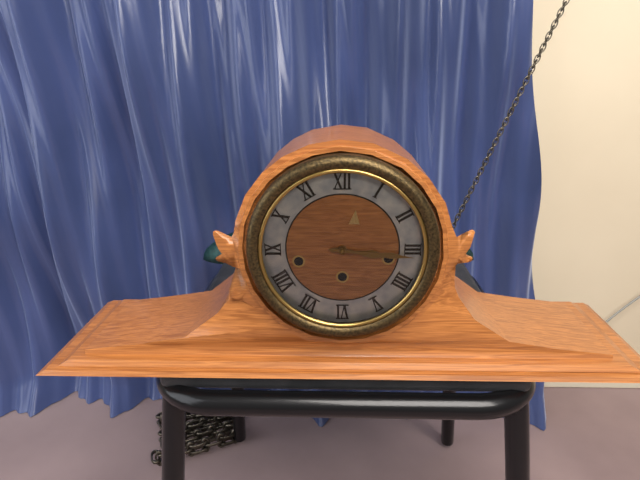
3 h 16 min
